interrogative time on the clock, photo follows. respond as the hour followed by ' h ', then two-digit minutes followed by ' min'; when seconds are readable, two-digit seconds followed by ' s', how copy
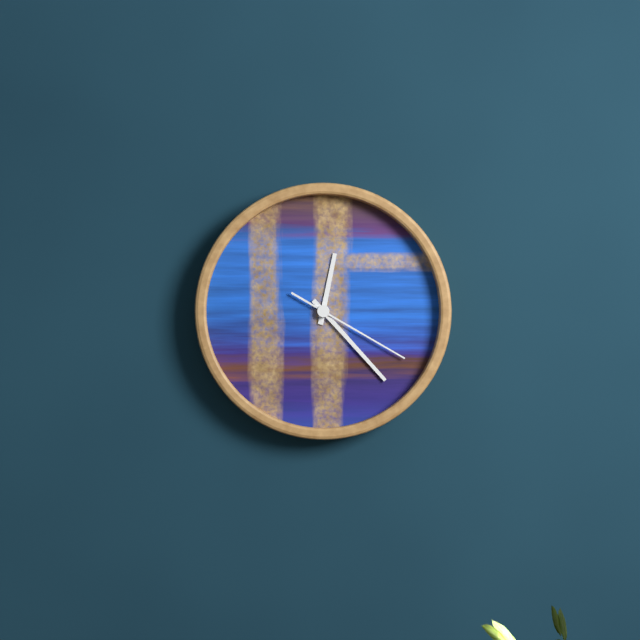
12 h 23 min 20 s
